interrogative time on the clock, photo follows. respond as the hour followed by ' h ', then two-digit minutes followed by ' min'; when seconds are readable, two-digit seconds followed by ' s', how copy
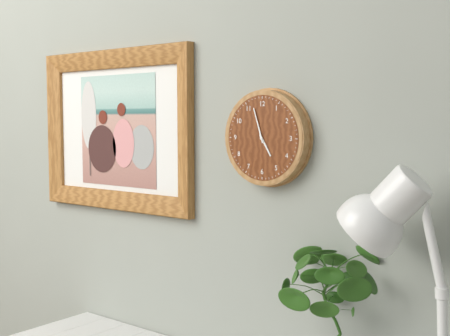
4 h 57 min
